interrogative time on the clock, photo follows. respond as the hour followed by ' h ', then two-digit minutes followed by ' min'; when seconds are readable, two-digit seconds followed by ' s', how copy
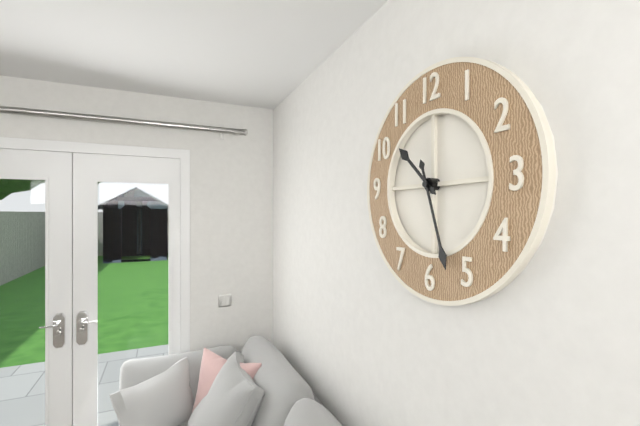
10 h 27 min
